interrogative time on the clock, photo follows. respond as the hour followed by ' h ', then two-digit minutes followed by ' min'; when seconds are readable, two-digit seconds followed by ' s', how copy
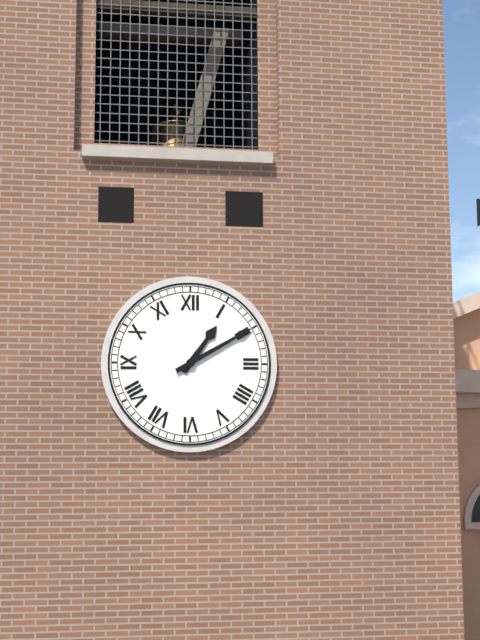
1 h 10 min
